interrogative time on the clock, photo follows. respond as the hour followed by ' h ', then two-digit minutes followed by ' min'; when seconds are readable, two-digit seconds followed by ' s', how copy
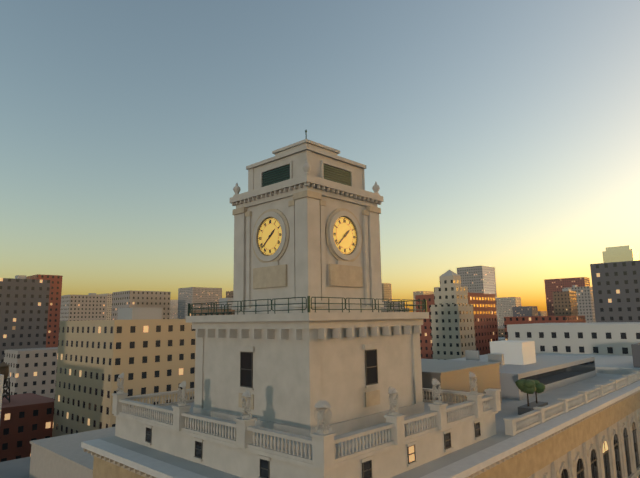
1 h 38 min
